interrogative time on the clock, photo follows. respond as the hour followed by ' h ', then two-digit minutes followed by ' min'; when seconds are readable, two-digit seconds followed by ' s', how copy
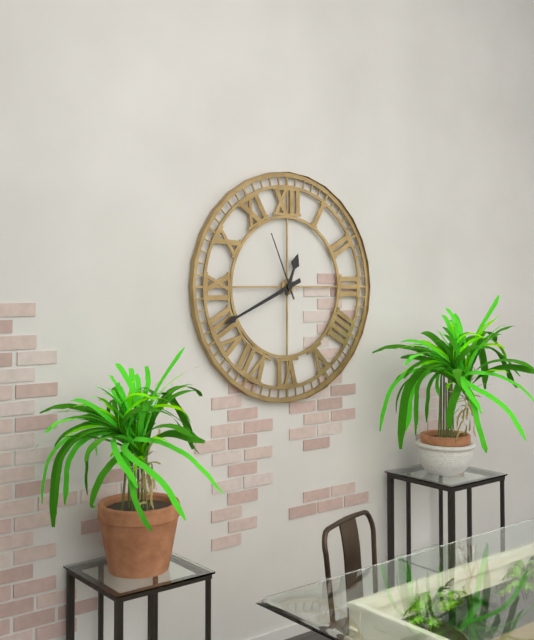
12 h 41 min 56 s
